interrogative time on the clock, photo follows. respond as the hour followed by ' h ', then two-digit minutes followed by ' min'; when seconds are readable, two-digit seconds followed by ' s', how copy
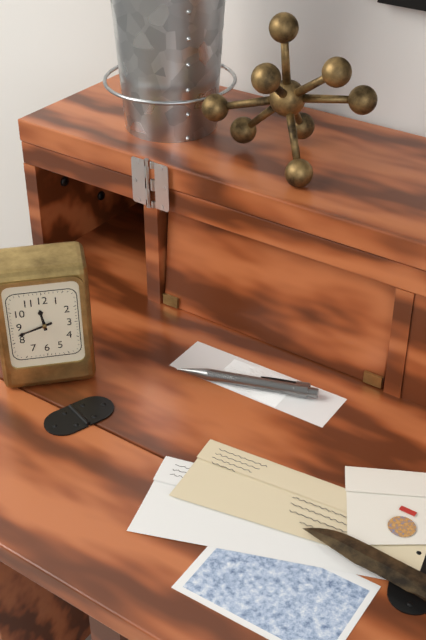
11 h 42 min
